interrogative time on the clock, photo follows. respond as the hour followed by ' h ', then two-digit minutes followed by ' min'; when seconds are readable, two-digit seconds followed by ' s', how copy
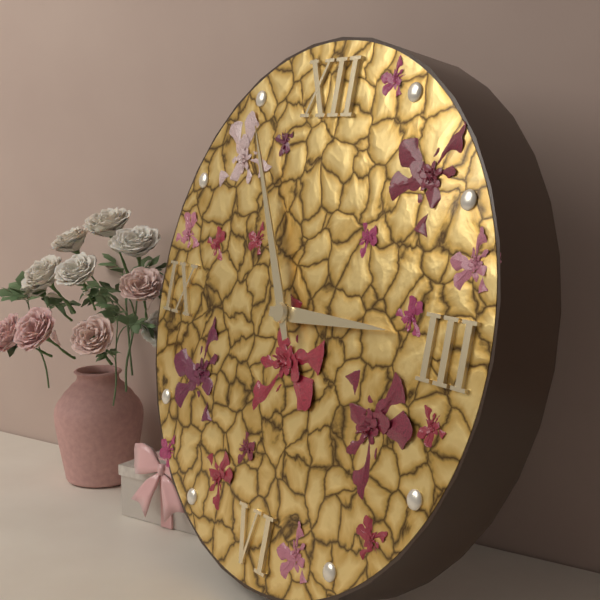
2 h 55 min
